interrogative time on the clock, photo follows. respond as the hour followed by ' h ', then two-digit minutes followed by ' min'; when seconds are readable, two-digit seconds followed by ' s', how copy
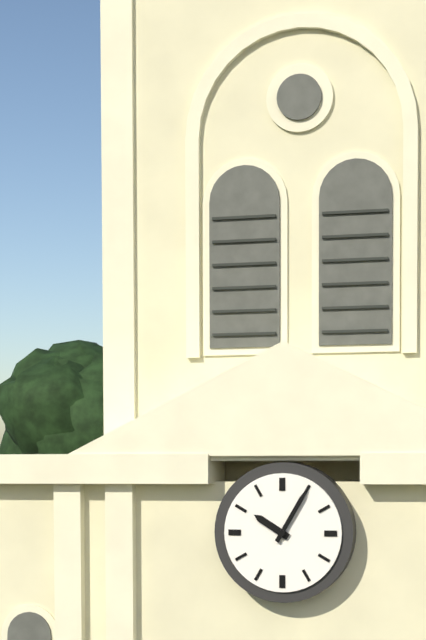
10 h 05 min
